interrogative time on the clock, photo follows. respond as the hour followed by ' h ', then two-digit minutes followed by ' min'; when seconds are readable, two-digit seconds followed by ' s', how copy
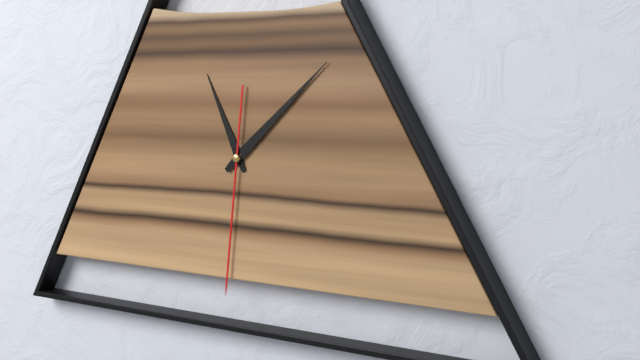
11 h 08 min 31 s
